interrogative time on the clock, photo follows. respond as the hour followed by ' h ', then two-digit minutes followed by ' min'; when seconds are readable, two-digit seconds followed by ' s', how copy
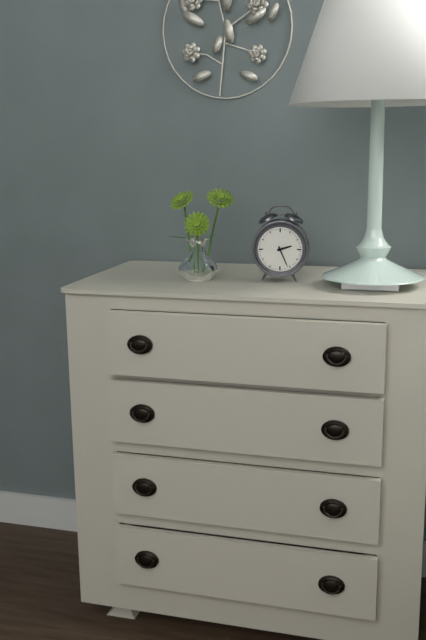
2 h 26 min
